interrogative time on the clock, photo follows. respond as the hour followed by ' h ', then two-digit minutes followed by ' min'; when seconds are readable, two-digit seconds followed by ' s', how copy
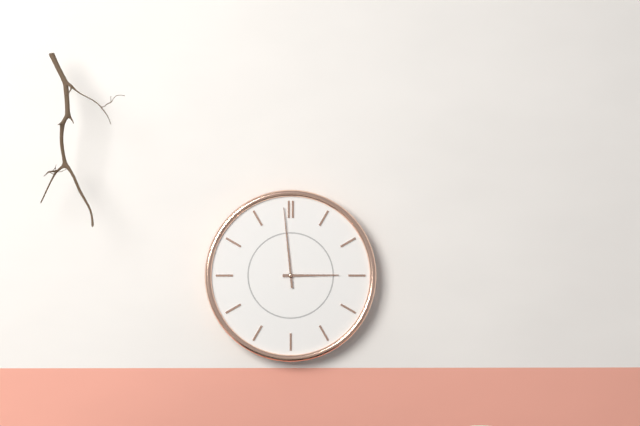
2 h 59 min
